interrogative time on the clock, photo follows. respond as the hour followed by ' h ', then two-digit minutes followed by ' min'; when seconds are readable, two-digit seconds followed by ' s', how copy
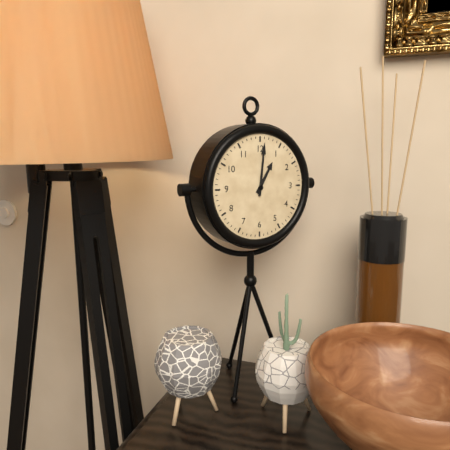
1 h 01 min
